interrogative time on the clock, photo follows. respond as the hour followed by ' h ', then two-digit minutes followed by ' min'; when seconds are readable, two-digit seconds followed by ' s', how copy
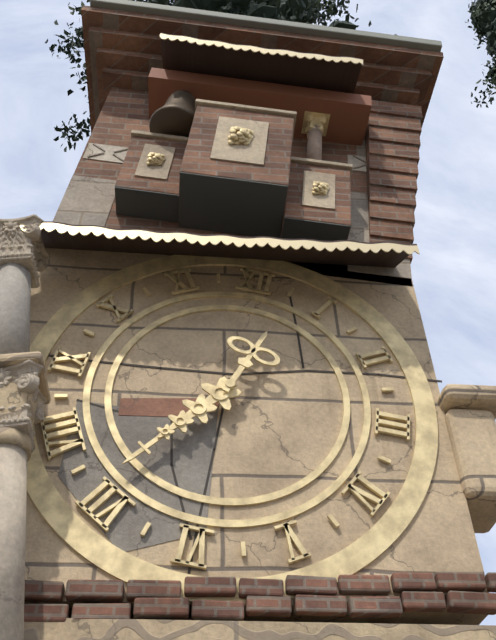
12 h 36 min
